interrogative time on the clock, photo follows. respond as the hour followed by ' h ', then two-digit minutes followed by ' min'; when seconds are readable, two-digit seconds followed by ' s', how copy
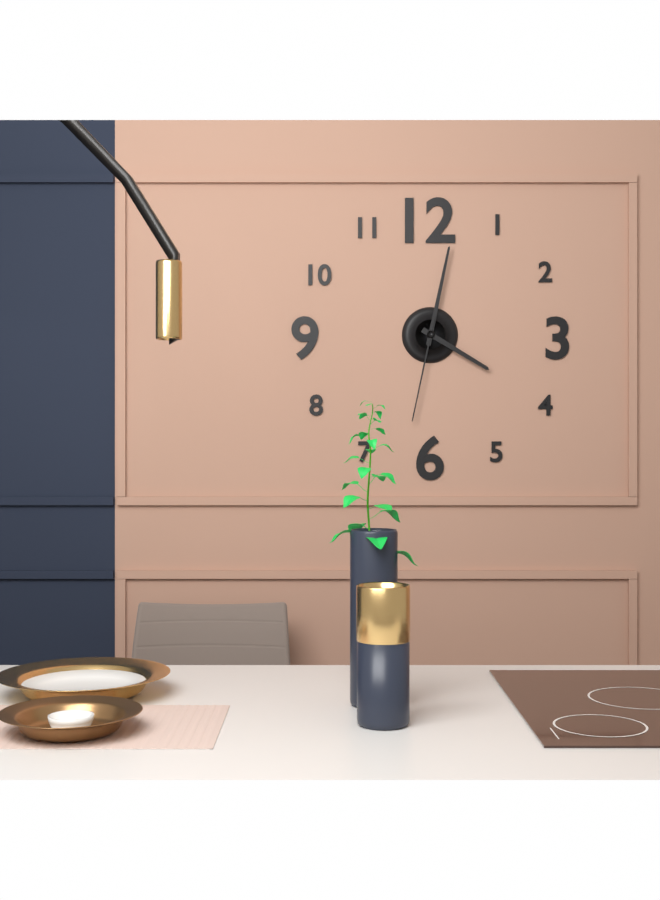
4 h 02 min 32 s
